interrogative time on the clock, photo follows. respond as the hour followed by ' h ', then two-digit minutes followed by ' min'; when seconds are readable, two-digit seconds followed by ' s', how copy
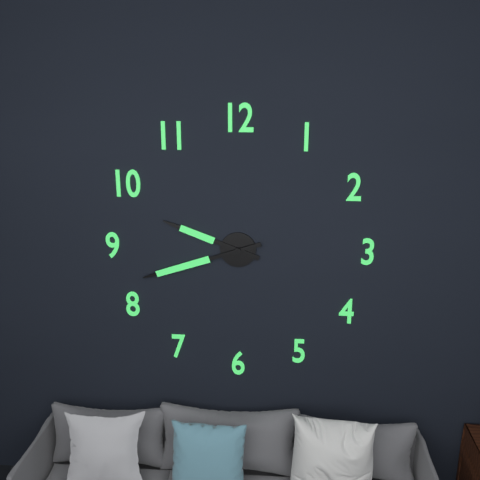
9 h 42 min
